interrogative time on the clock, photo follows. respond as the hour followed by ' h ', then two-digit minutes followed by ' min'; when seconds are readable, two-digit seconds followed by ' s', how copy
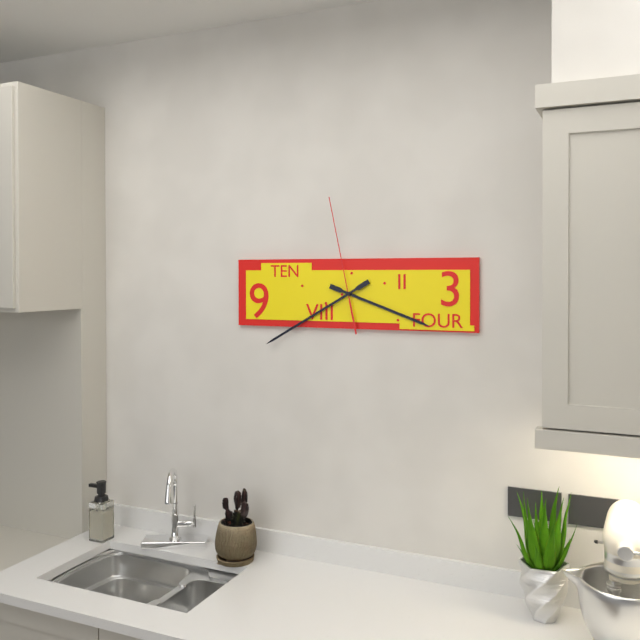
3 h 40 min 58 s
